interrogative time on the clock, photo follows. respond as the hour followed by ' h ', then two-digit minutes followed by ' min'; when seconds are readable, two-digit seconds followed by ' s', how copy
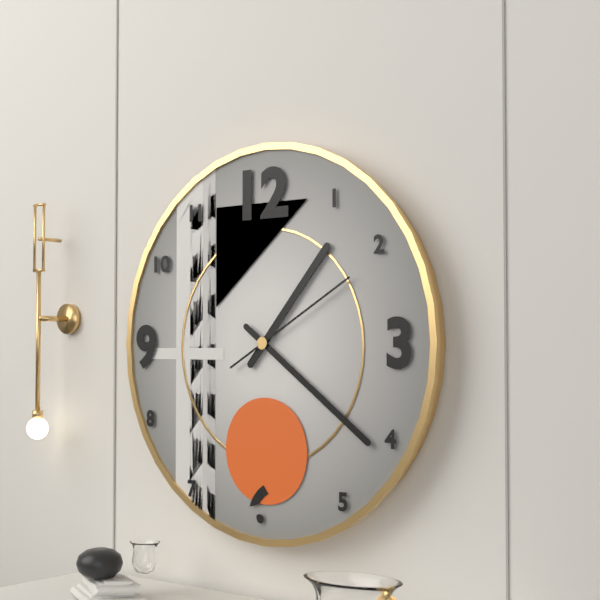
1 h 21 min 10 s
